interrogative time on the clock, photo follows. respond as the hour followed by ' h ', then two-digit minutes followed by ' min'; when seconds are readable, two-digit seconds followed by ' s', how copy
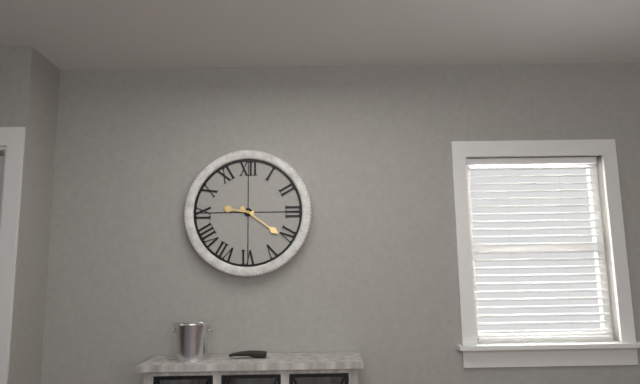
9 h 21 min
